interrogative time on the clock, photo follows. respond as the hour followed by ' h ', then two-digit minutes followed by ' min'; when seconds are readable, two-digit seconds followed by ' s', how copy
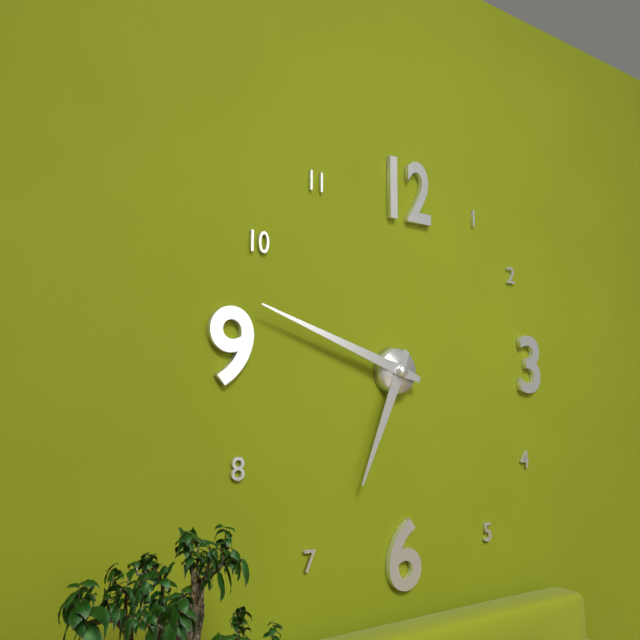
6 h 48 min
